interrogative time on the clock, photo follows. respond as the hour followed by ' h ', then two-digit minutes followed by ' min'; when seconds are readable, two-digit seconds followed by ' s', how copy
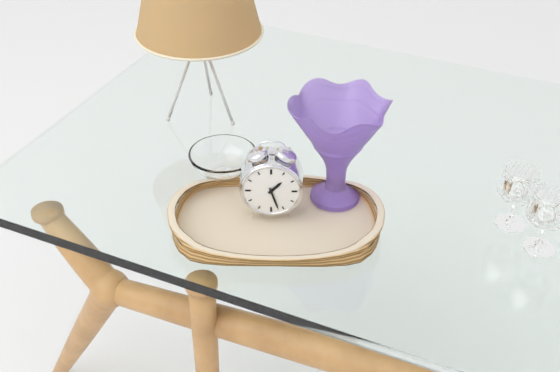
1 h 27 min
